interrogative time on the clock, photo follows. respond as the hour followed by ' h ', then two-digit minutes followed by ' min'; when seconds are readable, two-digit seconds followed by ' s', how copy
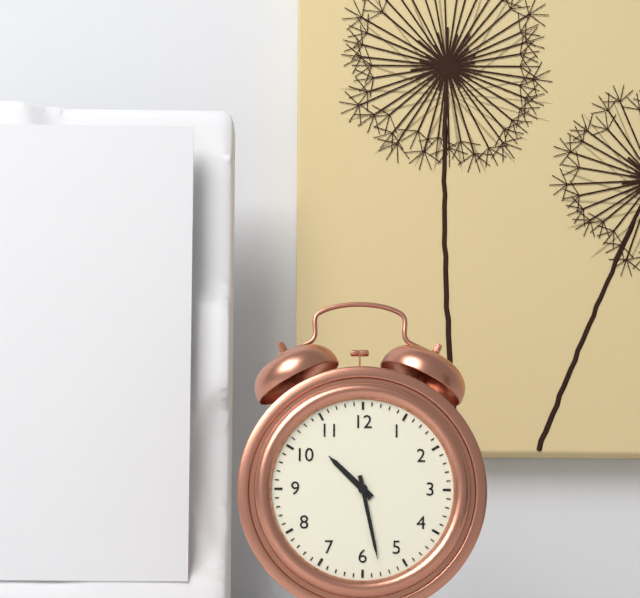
10 h 28 min
